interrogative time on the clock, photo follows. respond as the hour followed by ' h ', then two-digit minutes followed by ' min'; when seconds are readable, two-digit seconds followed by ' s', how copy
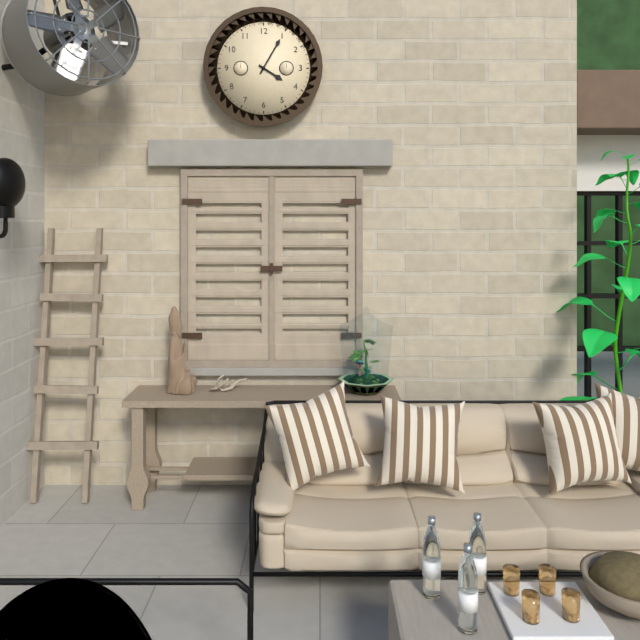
4 h 05 min
